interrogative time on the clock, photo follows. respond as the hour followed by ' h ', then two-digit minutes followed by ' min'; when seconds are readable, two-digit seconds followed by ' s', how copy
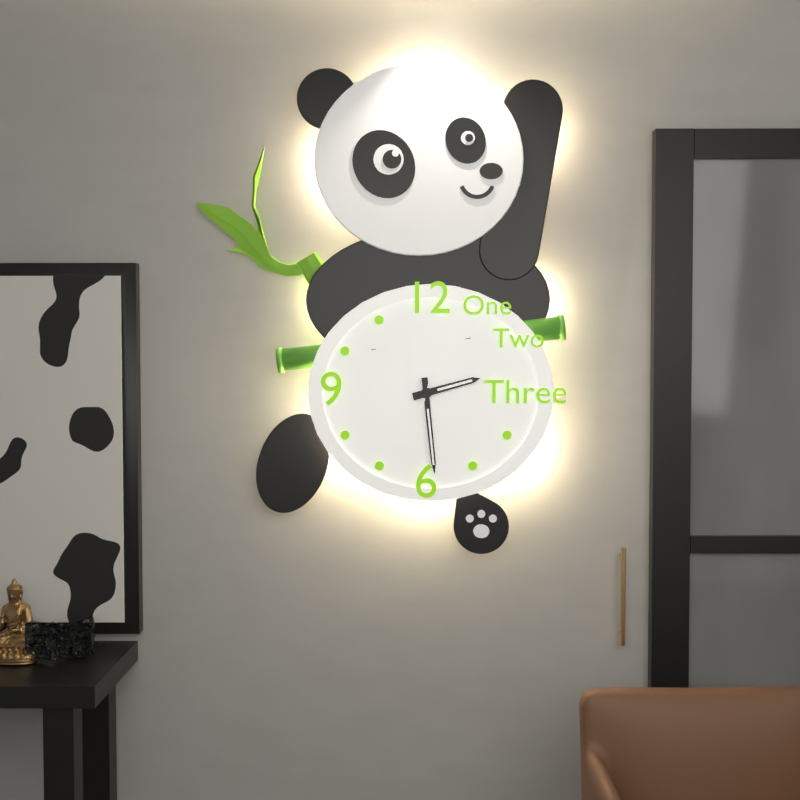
2 h 29 min 03 s
